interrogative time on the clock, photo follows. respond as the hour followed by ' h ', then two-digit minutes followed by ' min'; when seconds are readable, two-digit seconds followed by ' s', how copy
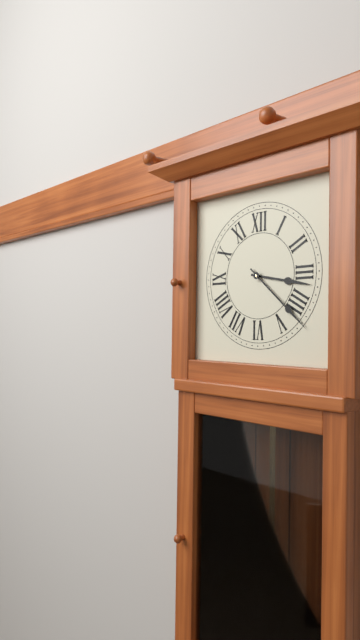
3 h 22 min
